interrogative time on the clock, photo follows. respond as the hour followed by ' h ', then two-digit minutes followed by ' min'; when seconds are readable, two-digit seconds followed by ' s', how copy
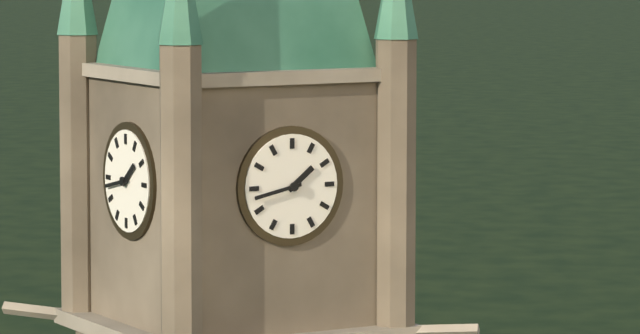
1 h 43 min
